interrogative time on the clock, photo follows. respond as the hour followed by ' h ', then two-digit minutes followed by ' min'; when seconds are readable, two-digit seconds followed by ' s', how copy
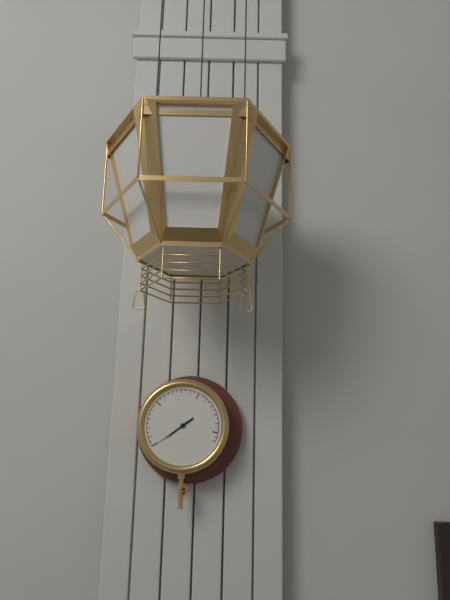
7 h 39 min
